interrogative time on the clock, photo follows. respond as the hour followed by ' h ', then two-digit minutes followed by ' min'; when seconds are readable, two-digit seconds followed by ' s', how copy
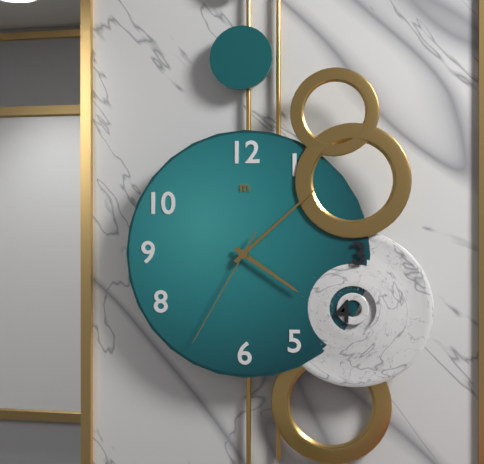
4 h 08 min 35 s
